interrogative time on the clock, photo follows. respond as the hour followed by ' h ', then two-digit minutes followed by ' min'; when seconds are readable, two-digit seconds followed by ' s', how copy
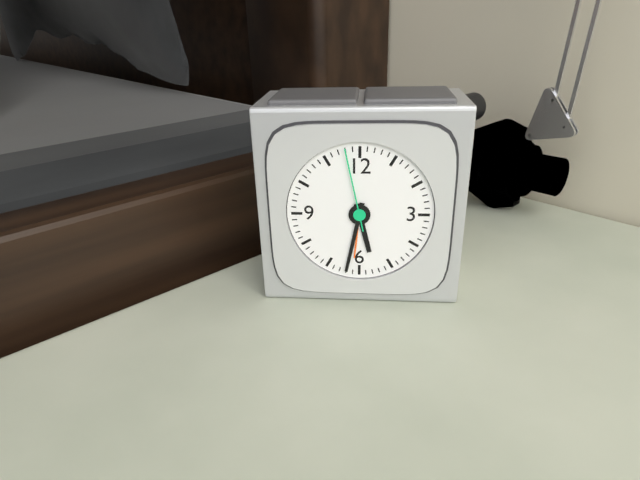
5 h 32 min 58 s
